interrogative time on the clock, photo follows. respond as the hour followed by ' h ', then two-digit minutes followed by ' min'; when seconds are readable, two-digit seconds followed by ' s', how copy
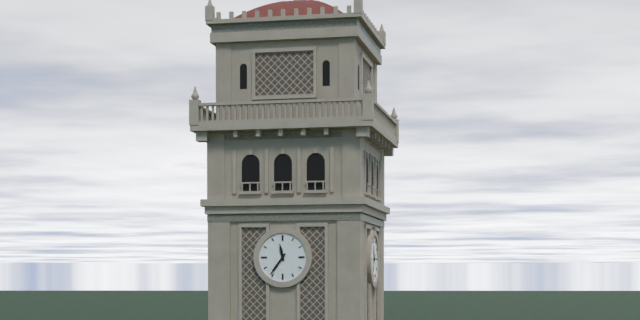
11 h 36 min
